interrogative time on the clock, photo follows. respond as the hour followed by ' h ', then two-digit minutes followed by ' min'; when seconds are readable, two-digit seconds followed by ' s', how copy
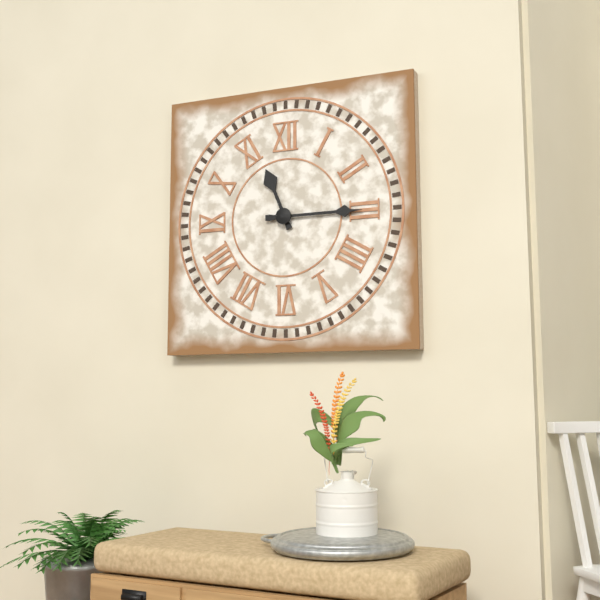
11 h 15 min
